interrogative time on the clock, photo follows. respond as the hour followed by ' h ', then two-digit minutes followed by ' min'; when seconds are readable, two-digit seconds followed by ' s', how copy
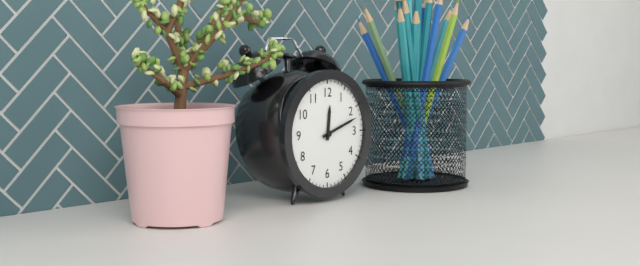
12 h 12 min
